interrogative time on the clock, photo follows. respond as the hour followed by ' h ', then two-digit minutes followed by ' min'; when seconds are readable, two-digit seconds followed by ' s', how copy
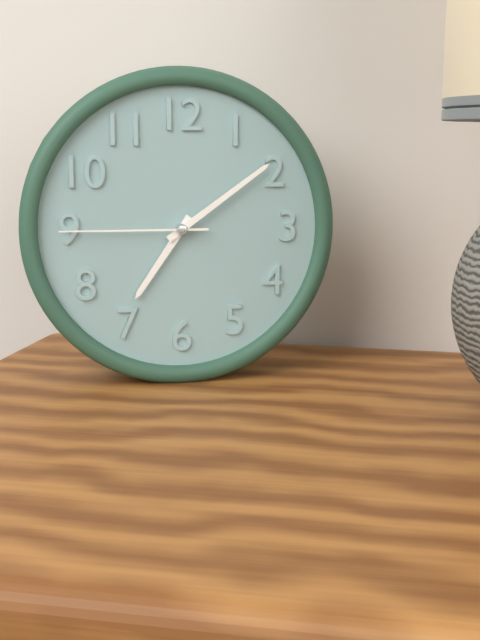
7 h 09 min 45 s
